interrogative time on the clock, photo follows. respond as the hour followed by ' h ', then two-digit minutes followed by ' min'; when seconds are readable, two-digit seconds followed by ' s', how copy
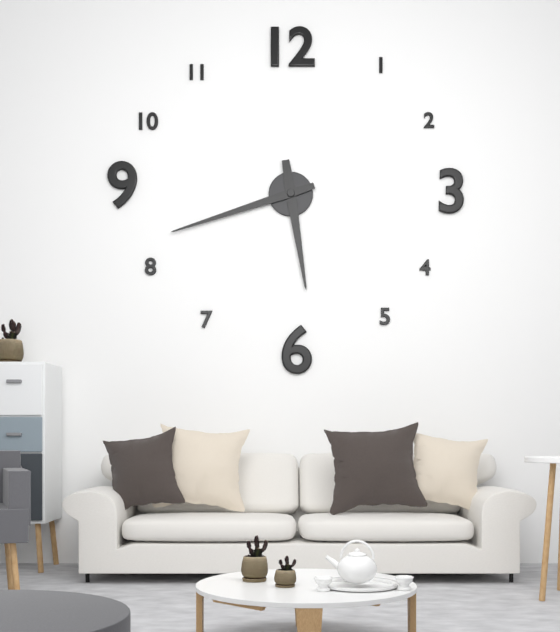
5 h 42 min
